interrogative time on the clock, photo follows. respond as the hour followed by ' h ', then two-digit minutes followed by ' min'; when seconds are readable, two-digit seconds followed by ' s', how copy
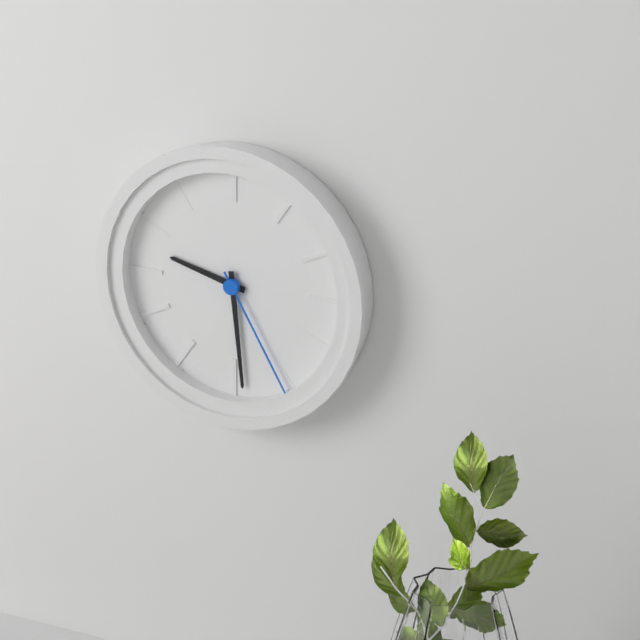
9 h 29 min 25 s
